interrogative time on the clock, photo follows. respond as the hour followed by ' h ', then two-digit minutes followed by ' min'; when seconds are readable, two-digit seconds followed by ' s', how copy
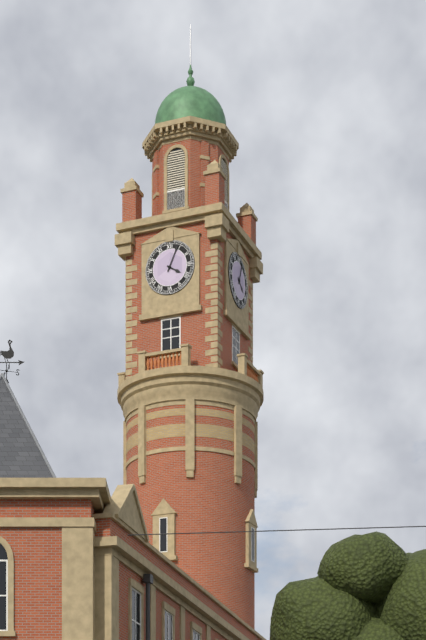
4 h 04 min
